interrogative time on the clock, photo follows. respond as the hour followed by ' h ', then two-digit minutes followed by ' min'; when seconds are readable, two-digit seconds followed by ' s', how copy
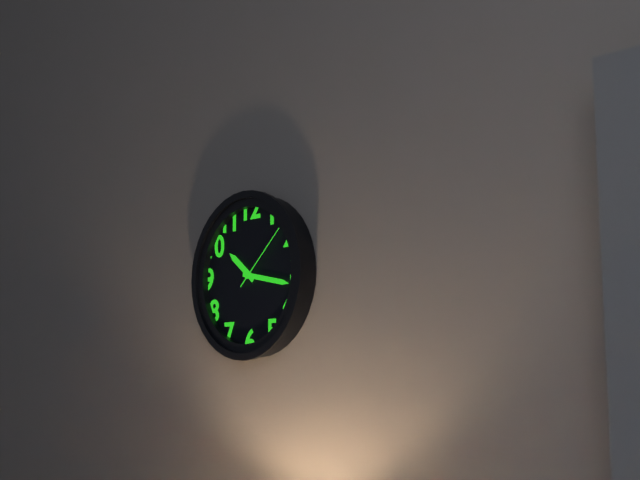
10 h 17 min 08 s
